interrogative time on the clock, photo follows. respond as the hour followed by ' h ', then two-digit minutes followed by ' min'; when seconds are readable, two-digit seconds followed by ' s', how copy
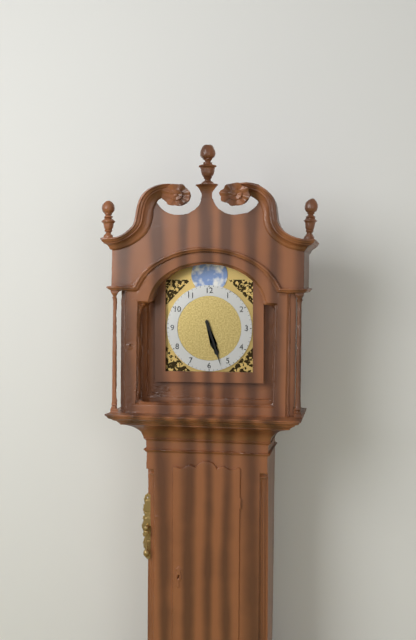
5 h 27 min
